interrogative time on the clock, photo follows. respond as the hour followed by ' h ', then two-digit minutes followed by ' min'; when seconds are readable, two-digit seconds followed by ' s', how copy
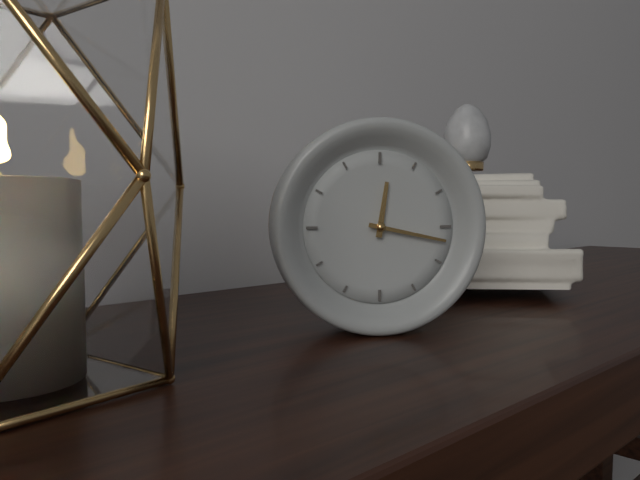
12 h 17 min
